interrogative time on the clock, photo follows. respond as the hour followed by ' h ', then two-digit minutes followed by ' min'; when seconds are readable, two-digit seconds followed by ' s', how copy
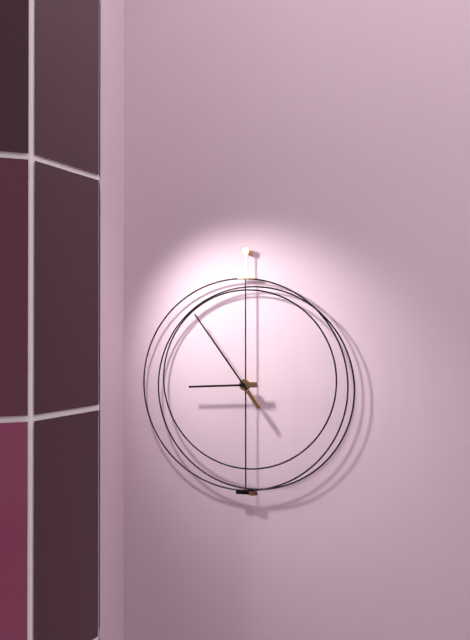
8 h 54 min
